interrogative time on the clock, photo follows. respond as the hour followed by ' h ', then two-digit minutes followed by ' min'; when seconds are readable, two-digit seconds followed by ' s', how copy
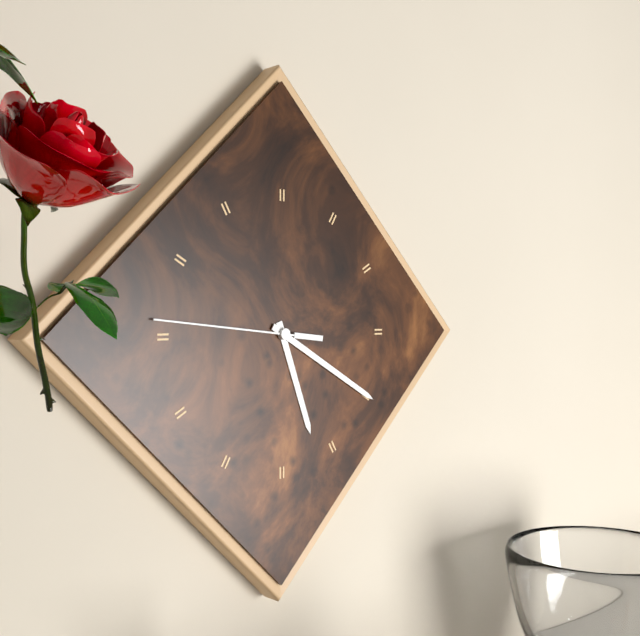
5 h 20 min 46 s
